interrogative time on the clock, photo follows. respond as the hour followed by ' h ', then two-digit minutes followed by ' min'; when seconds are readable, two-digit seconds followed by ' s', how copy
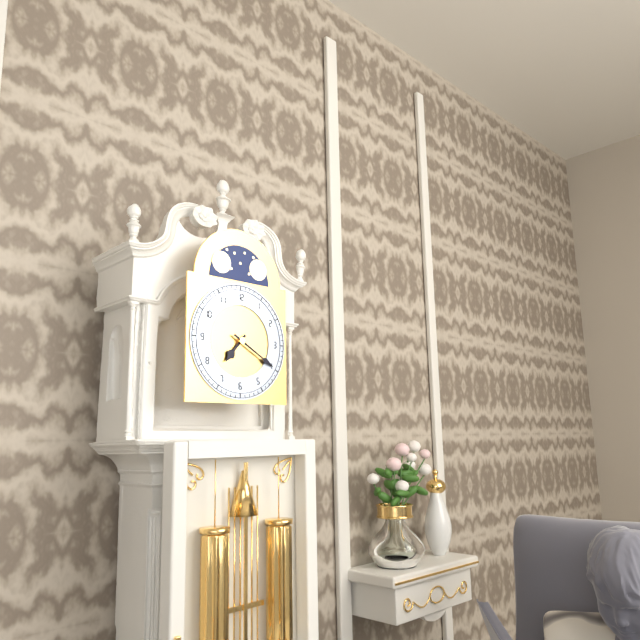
7 h 20 min
